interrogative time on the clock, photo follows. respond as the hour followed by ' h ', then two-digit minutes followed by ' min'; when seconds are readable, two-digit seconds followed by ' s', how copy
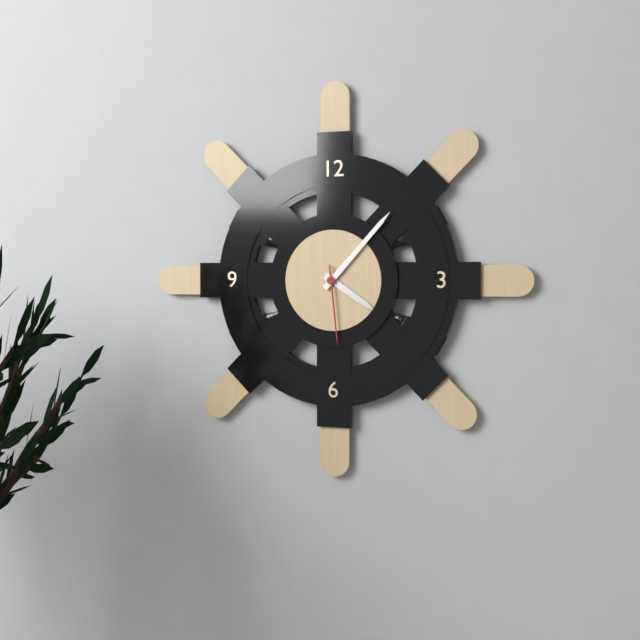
4 h 07 min 29 s
